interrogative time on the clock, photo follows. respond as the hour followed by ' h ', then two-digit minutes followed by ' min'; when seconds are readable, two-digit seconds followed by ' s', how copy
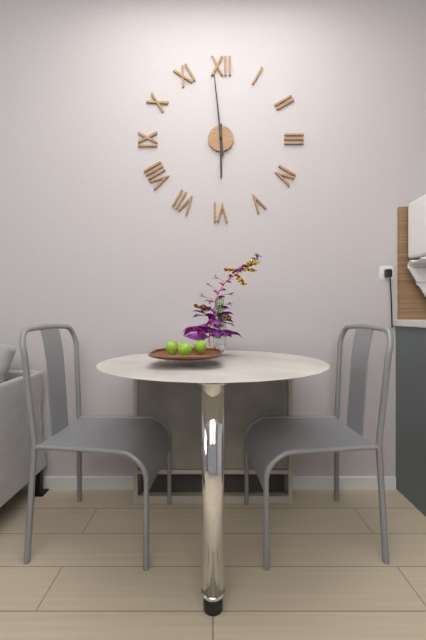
5 h 59 min
